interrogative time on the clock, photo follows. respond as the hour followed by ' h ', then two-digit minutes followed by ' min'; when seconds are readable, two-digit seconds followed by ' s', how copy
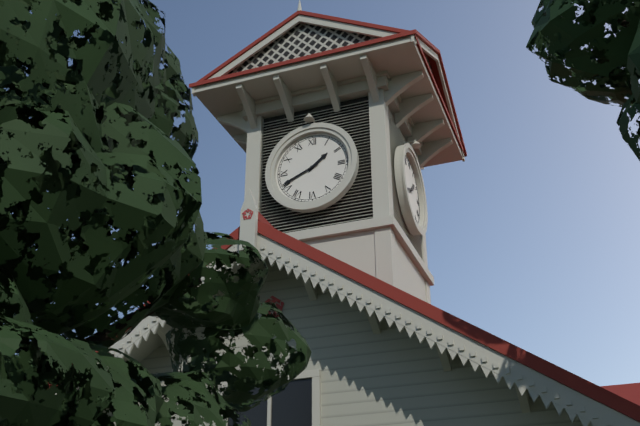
1 h 41 min
